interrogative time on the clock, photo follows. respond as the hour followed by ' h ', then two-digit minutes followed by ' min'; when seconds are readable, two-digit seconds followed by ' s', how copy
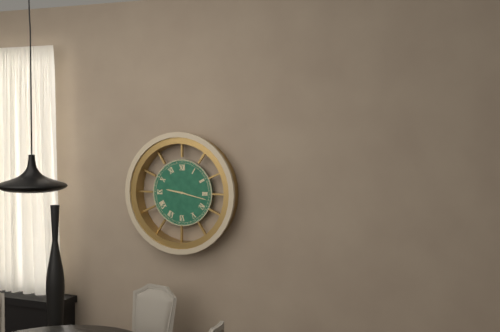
9 h 17 min
